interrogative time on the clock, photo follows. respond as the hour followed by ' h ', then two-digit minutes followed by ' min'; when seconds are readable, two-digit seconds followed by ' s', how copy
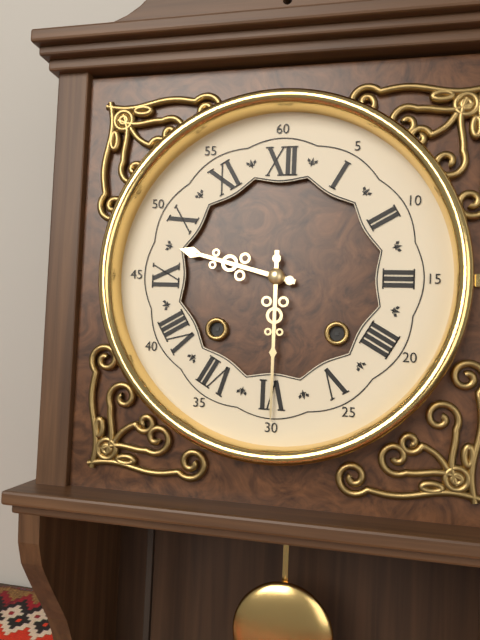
9 h 30 min
